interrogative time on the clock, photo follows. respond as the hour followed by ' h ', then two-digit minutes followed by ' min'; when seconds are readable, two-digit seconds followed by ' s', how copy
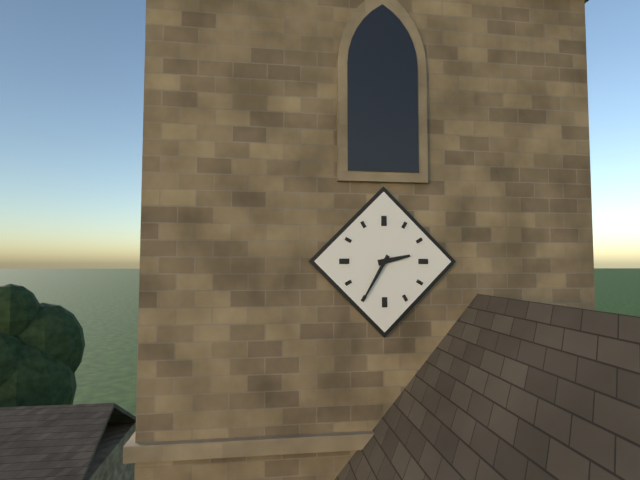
2 h 35 min
